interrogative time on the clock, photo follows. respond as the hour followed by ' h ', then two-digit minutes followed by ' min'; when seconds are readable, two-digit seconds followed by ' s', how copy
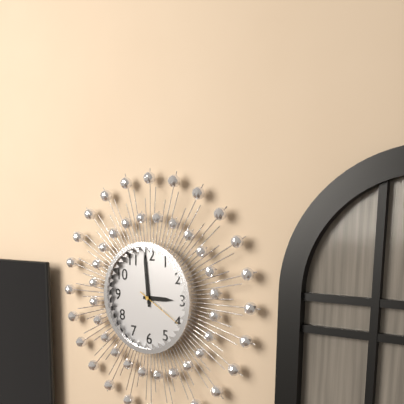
2 h 59 min
